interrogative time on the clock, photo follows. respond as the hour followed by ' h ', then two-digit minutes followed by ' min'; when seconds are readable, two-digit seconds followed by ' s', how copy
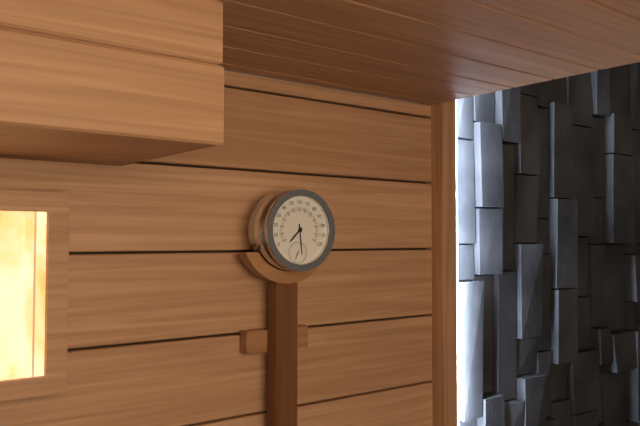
7 h 29 min
